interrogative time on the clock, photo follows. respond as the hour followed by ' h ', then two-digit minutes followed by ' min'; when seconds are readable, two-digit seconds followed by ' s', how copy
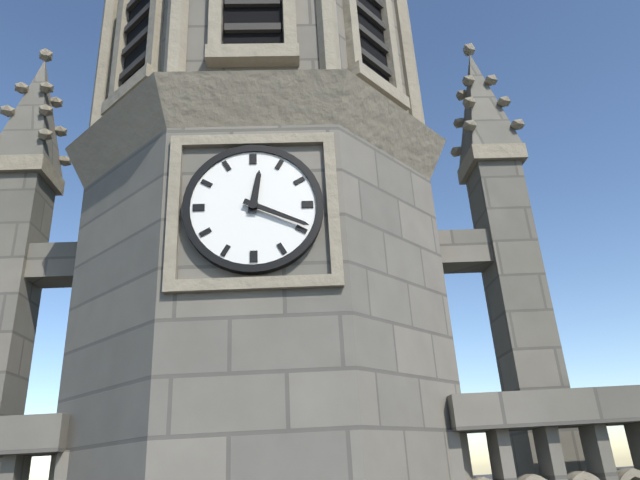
12 h 19 min
